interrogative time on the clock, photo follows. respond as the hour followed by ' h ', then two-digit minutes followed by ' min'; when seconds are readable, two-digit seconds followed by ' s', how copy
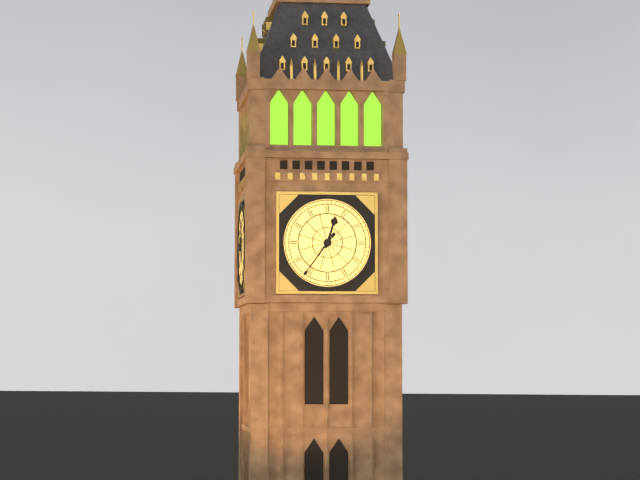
12 h 36 min
